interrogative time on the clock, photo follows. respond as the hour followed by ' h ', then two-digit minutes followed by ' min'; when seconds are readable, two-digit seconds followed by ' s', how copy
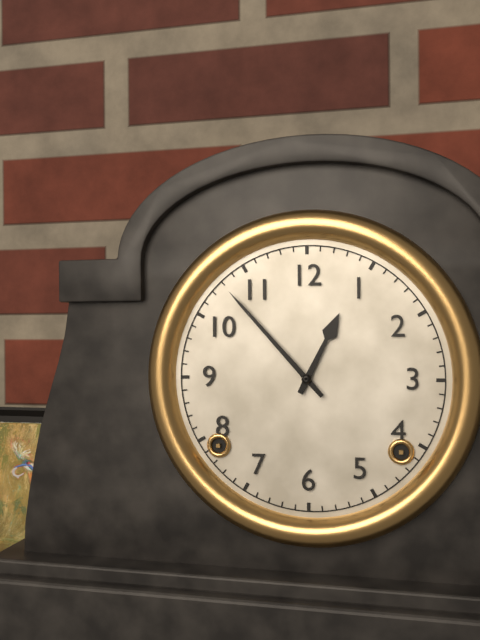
12 h 53 min
